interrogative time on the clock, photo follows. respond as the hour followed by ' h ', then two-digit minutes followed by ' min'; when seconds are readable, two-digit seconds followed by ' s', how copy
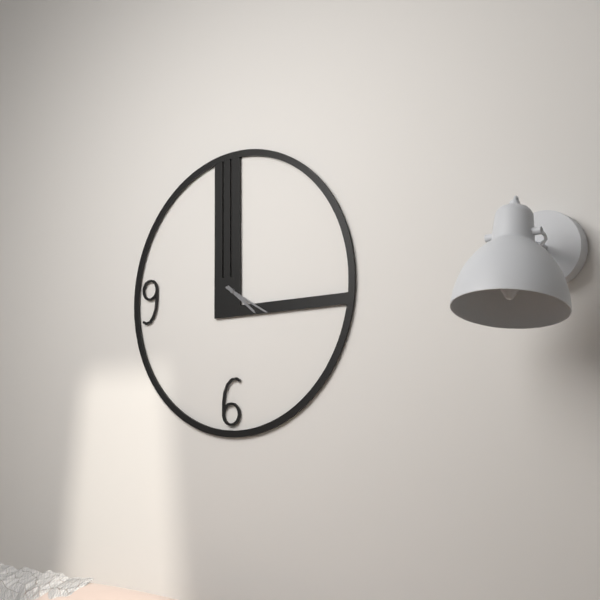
4 h 20 min
